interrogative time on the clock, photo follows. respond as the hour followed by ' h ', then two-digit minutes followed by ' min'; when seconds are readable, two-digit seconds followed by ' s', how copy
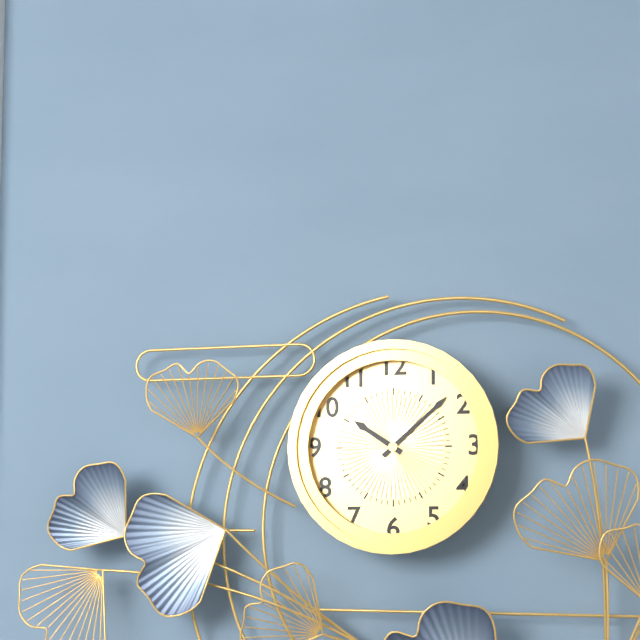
10 h 08 min
